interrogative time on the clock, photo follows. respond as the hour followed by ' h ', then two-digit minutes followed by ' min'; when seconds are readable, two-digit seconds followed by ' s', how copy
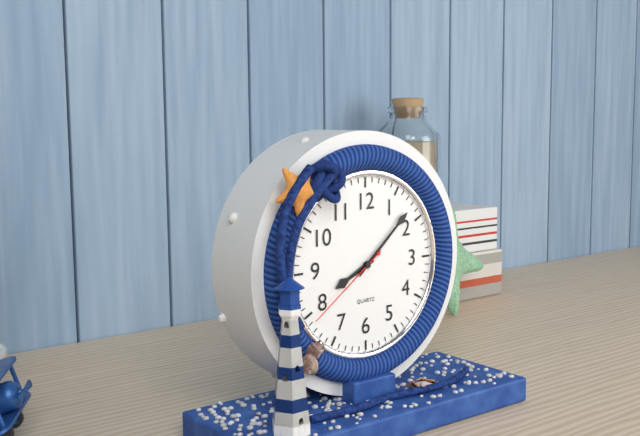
8 h 08 min 39 s
